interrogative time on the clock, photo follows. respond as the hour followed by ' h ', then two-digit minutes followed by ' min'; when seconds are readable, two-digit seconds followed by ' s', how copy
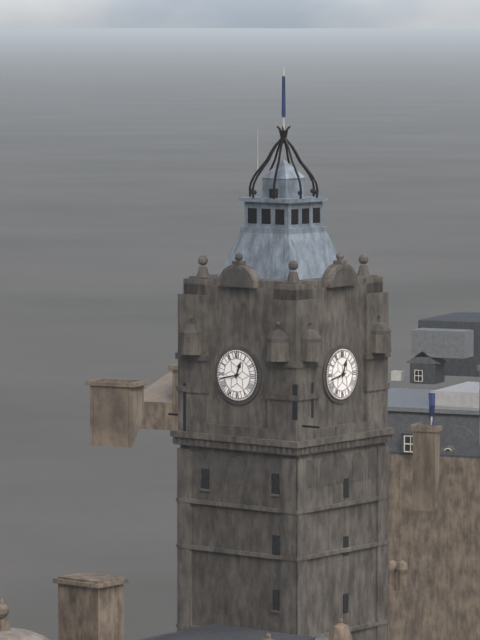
12 h 43 min
